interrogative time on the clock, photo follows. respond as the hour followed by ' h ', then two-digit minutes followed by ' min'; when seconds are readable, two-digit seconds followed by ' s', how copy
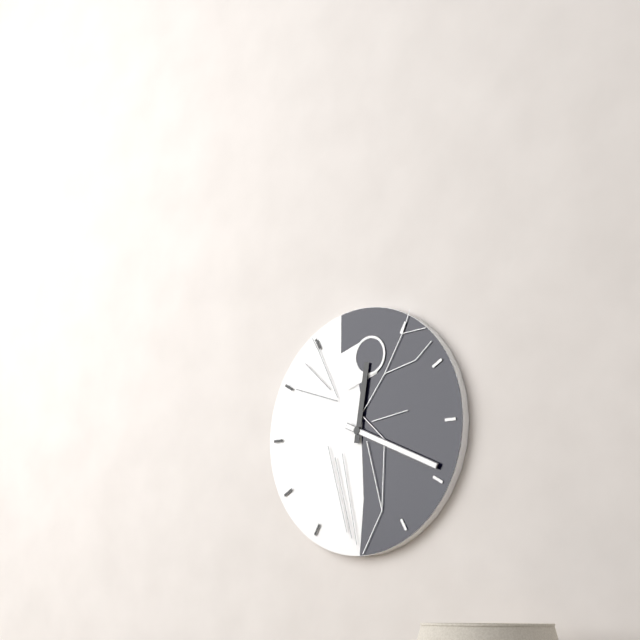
12 h 19 min
